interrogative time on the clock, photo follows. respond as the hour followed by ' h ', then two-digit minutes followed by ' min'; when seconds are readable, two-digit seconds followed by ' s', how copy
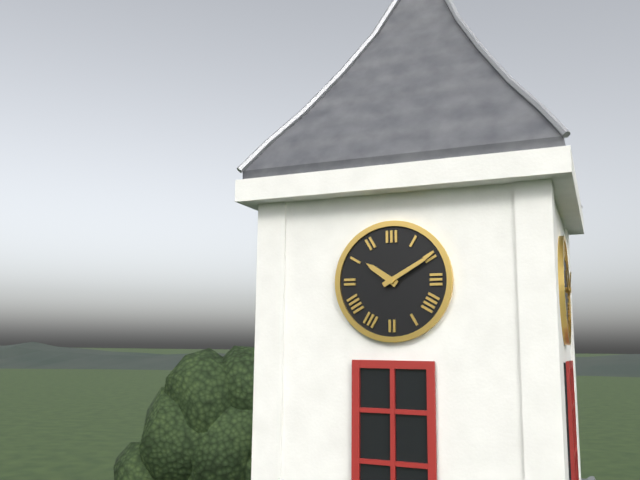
10 h 10 min
